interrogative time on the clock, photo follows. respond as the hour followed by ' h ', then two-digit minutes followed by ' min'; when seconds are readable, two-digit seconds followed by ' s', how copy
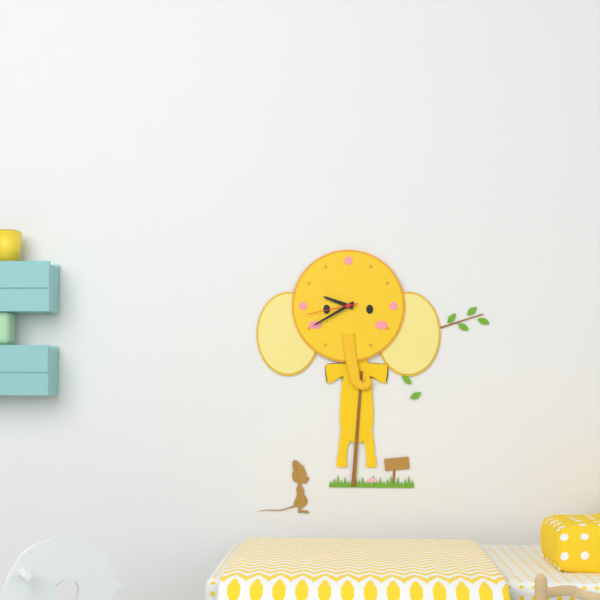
9 h 40 min 43 s
